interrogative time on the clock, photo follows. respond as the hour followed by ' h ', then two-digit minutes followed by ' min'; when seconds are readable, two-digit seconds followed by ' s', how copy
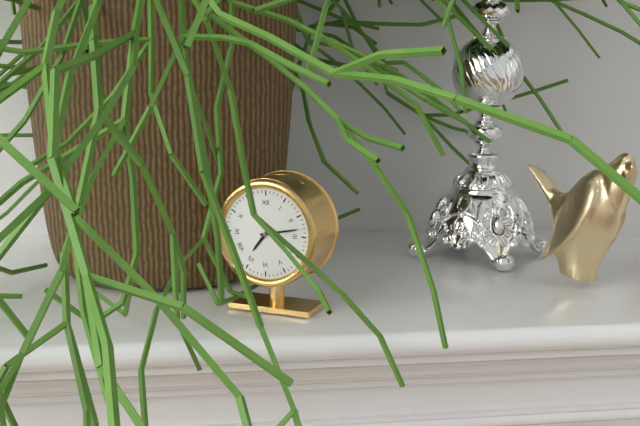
7 h 13 min
